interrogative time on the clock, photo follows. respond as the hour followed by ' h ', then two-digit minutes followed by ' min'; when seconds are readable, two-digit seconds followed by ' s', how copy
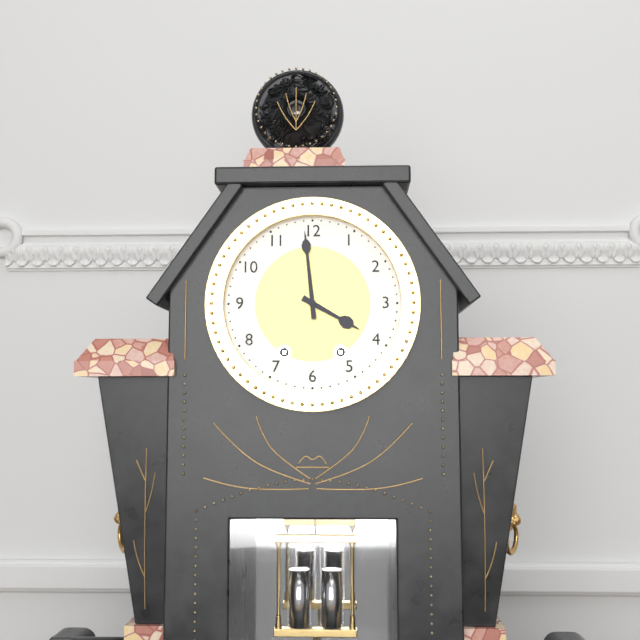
3 h 59 min
